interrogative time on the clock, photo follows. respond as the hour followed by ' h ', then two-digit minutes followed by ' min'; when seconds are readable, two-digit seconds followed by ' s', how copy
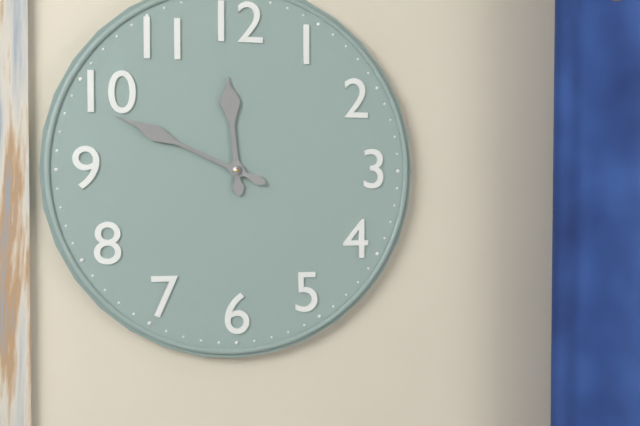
11 h 49 min
